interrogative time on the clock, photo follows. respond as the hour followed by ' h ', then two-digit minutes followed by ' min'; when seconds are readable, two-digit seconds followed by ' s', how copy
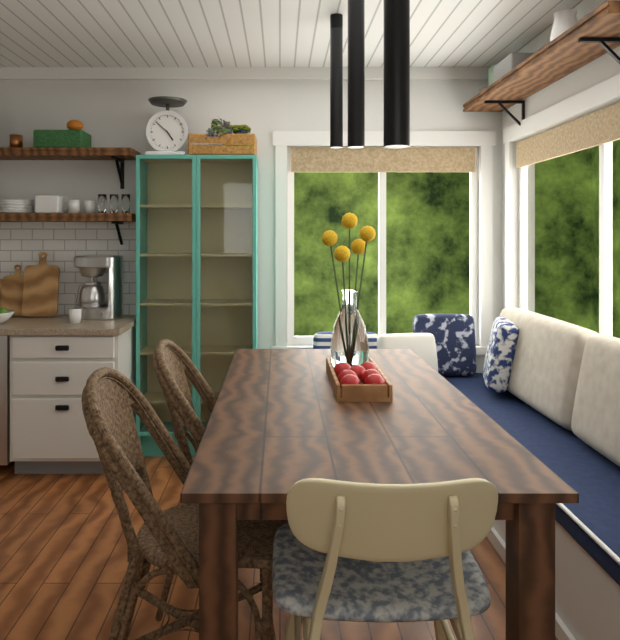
4 h 52 min
